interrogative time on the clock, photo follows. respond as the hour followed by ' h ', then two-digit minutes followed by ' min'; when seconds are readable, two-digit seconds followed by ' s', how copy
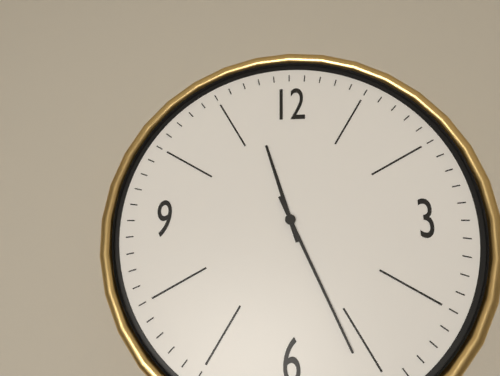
11 h 26 min
